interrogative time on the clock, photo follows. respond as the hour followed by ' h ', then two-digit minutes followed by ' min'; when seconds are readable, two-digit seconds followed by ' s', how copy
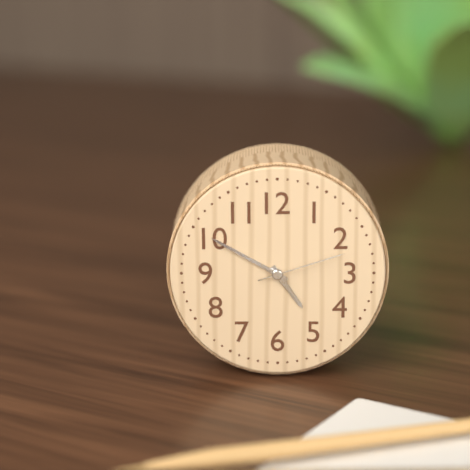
4 h 50 min 12 s
